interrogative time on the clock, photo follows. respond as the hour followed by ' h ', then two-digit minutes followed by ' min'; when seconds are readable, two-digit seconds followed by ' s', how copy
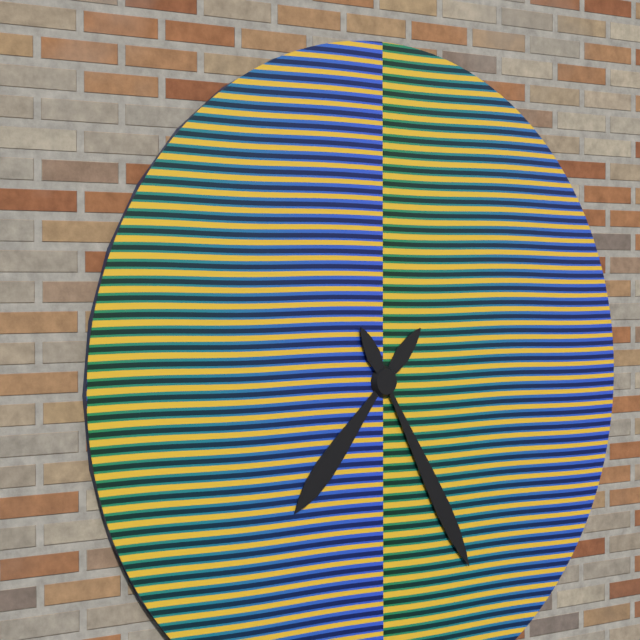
7 h 25 min
